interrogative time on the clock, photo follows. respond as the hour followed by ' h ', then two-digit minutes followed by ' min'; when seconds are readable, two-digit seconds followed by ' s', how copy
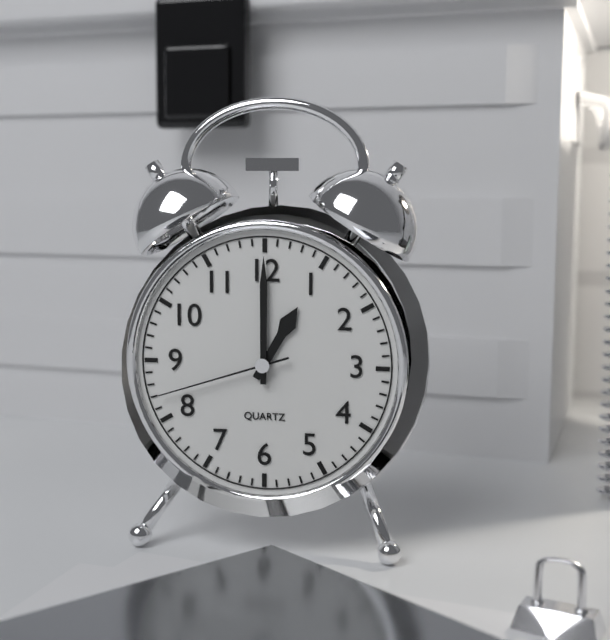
1 h 00 min 42 s
